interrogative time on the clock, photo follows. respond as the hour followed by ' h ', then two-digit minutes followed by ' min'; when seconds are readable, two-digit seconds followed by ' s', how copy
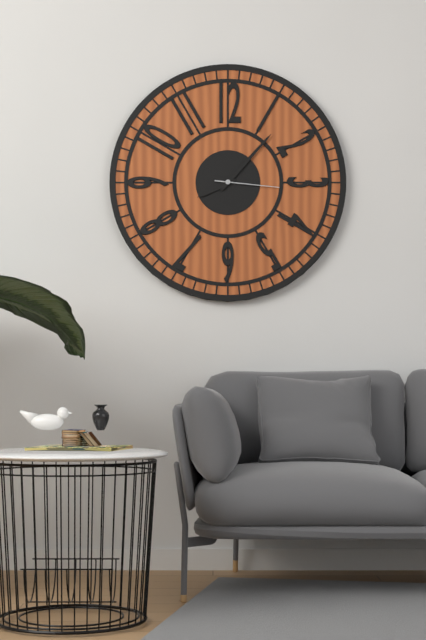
8 h 07 min 16 s
